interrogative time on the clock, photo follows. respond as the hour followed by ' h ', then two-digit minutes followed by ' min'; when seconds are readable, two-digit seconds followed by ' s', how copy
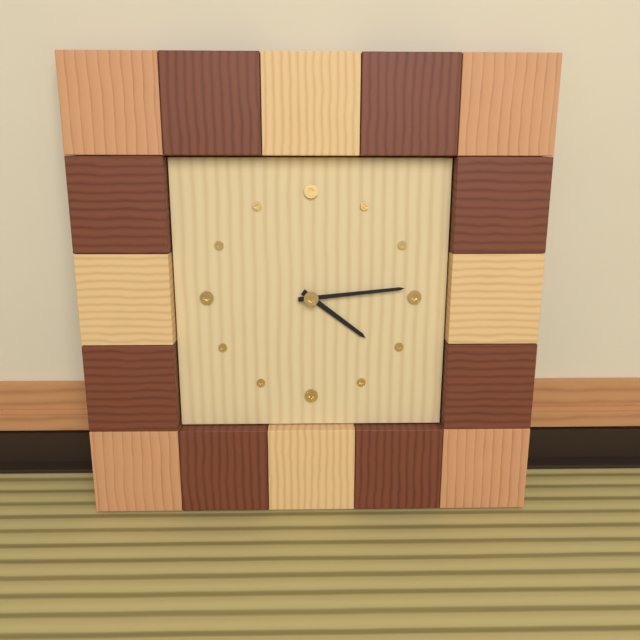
4 h 14 min
